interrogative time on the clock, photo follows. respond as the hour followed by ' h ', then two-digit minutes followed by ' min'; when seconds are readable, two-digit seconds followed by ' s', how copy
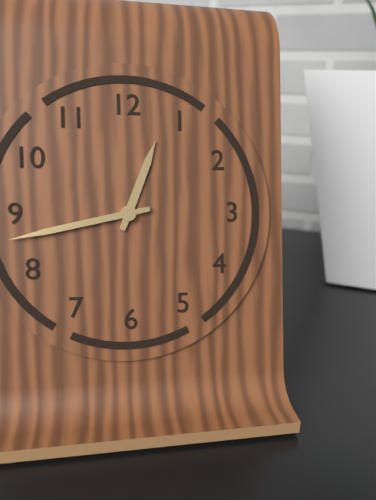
12 h 43 min
